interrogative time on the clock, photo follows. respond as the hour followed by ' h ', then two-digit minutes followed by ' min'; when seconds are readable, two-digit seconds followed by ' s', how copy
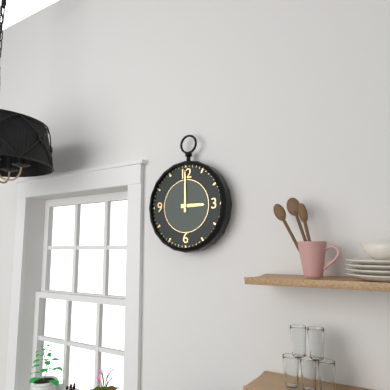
3 h 00 min
